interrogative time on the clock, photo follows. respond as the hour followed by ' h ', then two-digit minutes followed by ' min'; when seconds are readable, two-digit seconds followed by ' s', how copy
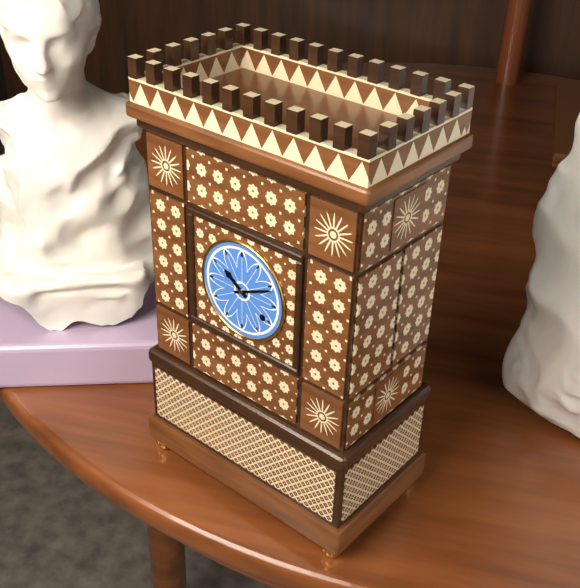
10 h 11 min
